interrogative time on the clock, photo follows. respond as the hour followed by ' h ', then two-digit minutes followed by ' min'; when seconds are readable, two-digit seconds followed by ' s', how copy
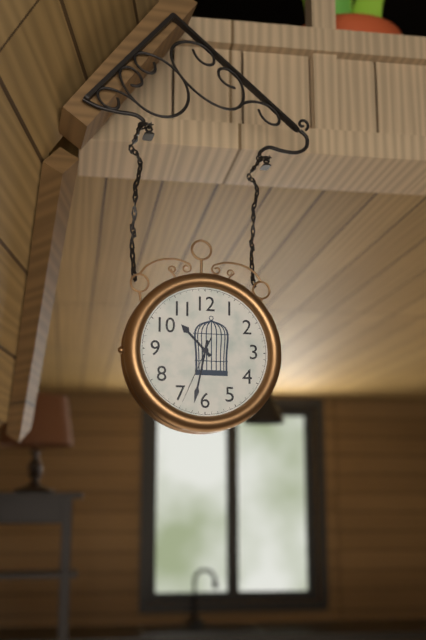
10 h 32 min 34 s
